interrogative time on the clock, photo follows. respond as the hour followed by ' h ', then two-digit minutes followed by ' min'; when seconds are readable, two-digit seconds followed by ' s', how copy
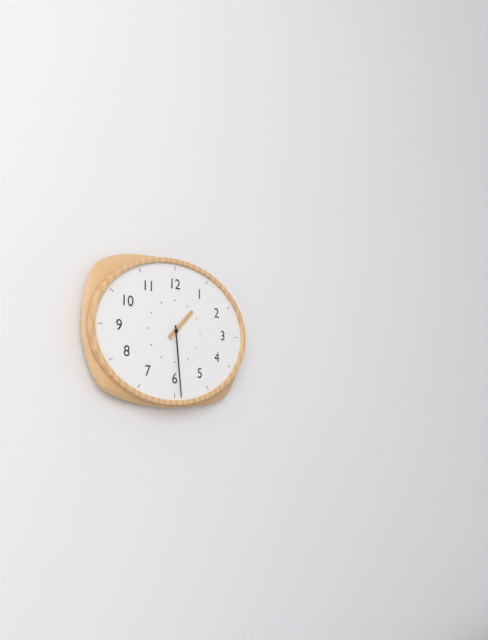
1 h 29 min
